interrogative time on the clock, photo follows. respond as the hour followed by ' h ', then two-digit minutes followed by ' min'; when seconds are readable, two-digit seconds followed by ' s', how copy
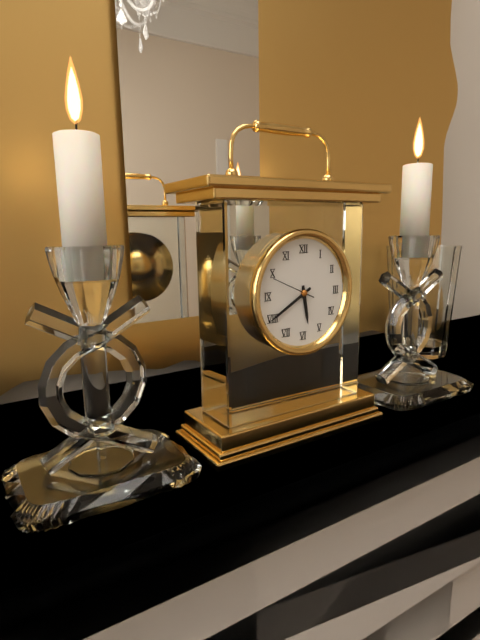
5 h 40 min
